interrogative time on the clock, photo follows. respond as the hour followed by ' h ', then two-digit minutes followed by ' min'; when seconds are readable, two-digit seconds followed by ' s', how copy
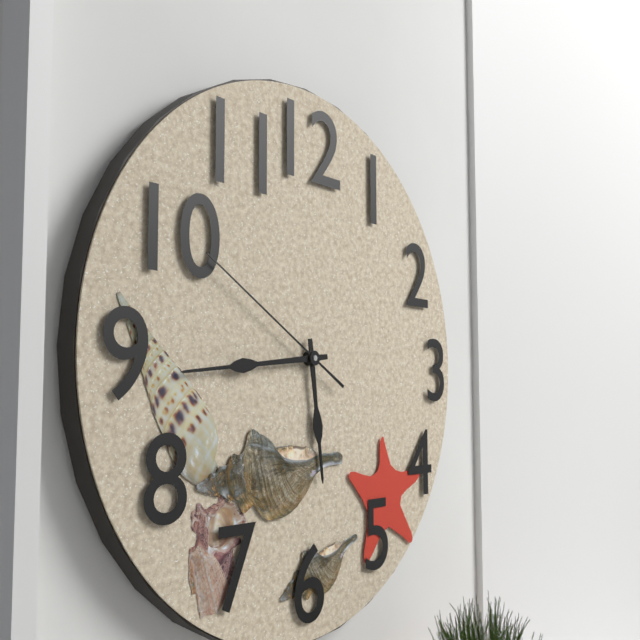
5 h 44 min 50 s
